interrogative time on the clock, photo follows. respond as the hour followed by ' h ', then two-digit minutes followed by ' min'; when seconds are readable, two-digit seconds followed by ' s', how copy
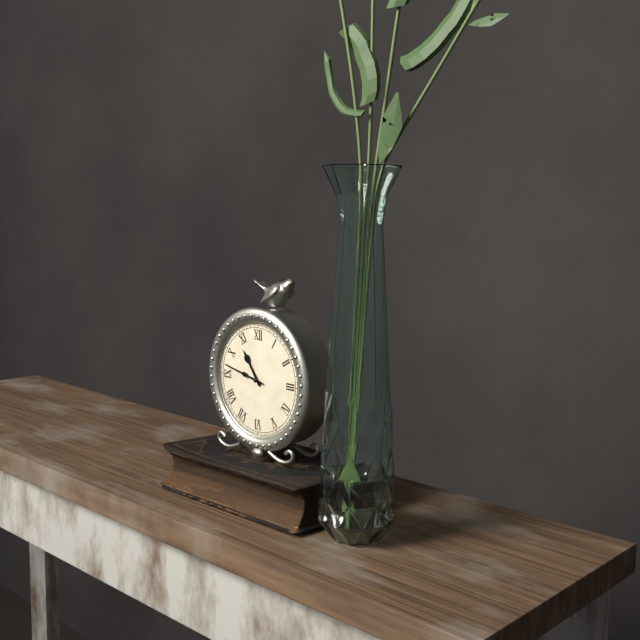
10 h 47 min
